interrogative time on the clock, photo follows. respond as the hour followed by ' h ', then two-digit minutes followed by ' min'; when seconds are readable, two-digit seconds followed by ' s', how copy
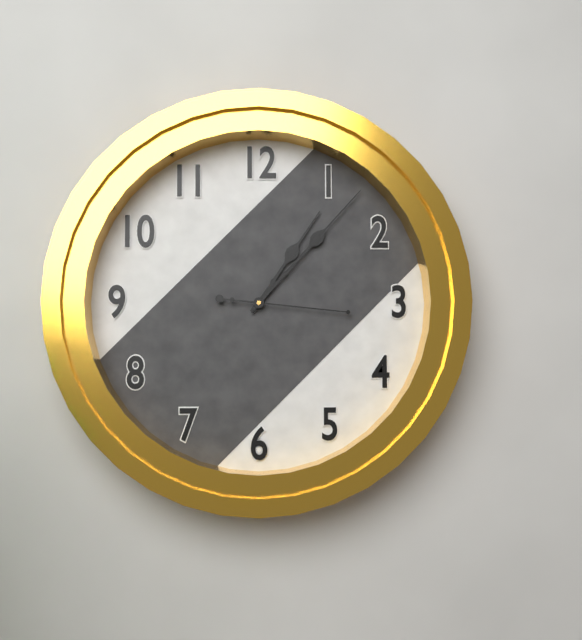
1 h 07 min 16 s
